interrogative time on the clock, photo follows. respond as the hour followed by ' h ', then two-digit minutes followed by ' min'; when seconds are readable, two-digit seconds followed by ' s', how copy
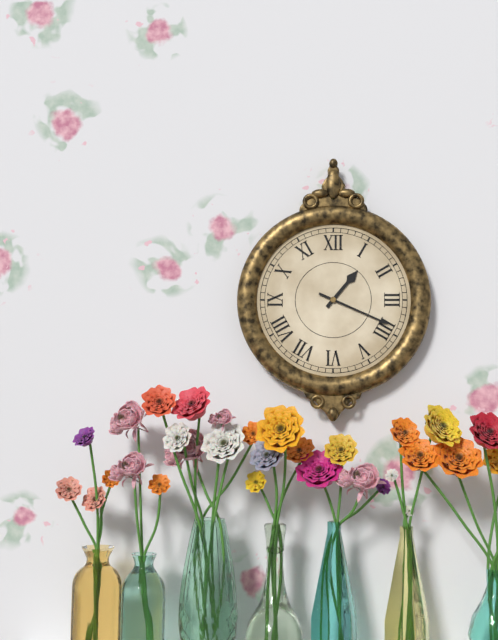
1 h 19 min
